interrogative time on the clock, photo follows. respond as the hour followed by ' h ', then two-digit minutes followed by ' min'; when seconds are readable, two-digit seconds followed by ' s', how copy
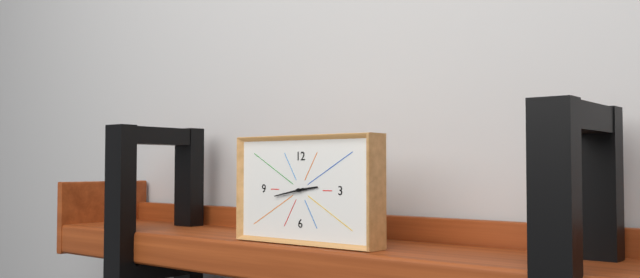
2 h 43 min
